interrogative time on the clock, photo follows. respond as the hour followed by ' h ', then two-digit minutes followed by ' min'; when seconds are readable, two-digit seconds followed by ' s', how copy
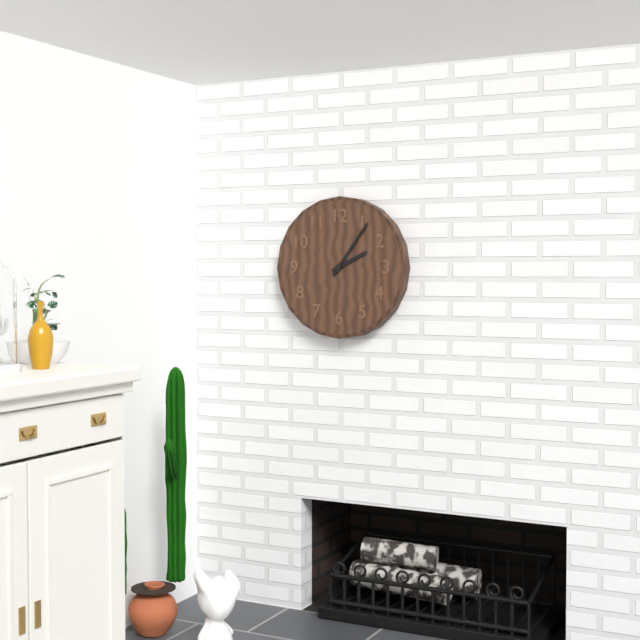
2 h 06 min
